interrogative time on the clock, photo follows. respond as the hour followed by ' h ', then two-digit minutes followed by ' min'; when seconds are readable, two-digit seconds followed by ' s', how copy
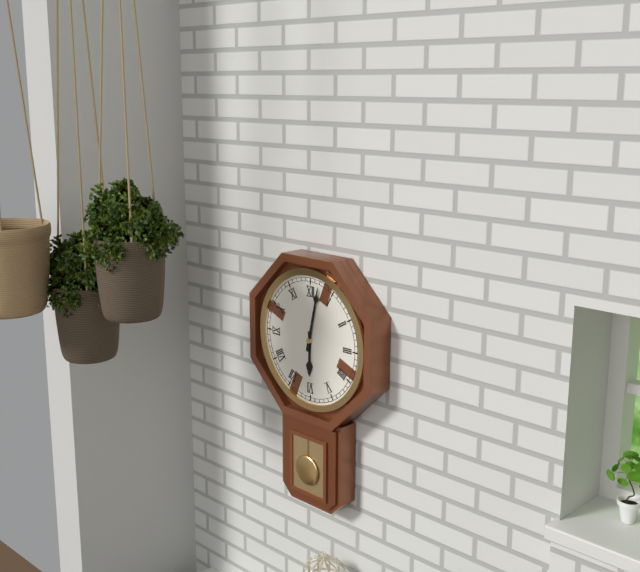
6 h 02 min
